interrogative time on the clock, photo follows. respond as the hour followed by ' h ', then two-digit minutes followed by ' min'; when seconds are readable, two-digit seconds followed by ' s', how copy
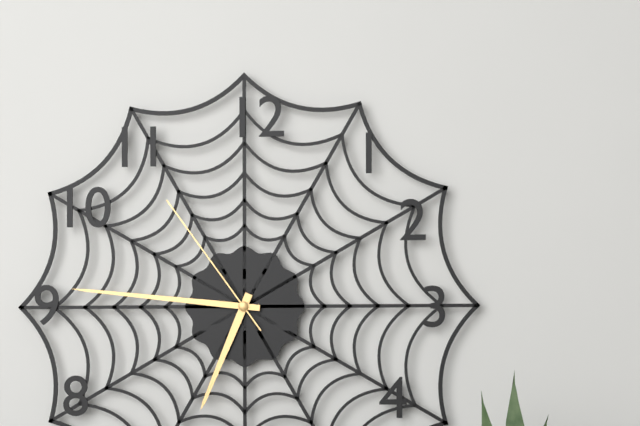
6 h 46 min 54 s
